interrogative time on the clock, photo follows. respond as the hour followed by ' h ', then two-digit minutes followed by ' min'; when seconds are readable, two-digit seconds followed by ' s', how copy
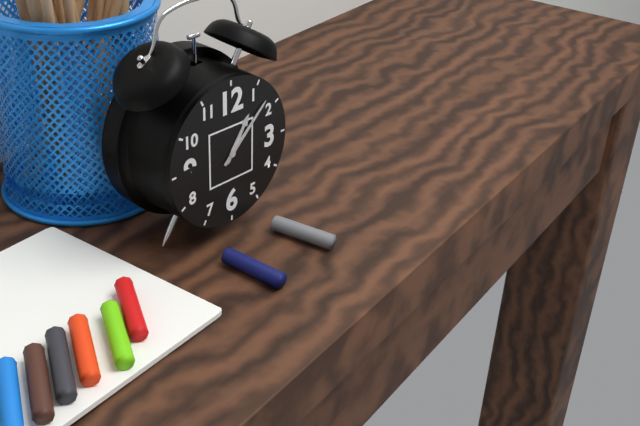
1 h 08 min
